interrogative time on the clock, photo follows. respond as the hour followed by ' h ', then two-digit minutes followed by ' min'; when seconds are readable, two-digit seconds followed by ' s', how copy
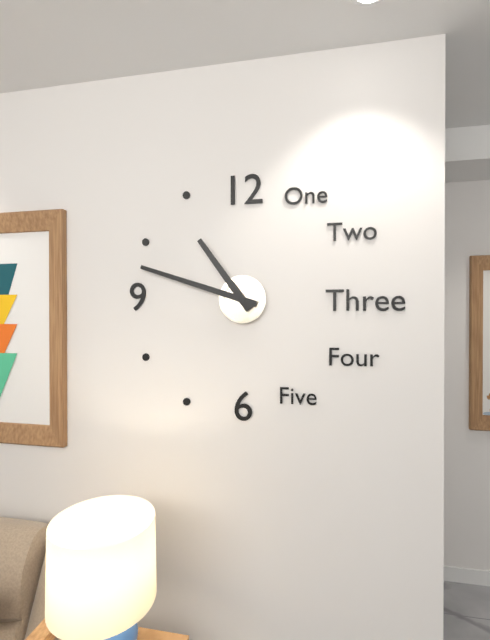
10 h 48 min
